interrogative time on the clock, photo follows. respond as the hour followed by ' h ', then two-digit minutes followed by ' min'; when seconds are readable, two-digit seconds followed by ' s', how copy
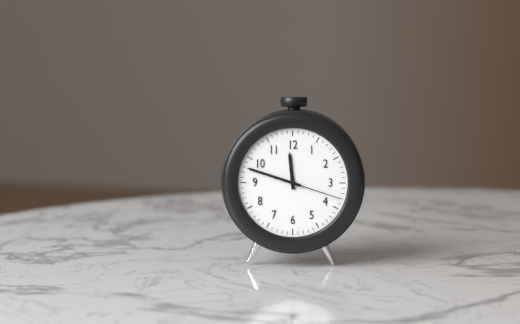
11 h 48 min 18 s
